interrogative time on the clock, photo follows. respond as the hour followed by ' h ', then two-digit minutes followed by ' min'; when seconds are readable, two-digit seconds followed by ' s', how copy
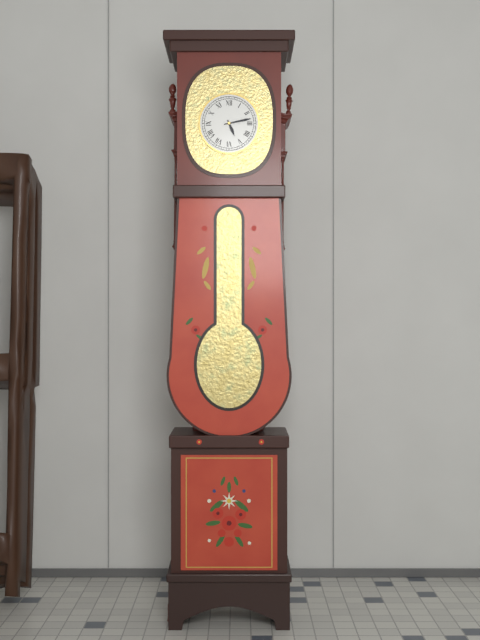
5 h 13 min
